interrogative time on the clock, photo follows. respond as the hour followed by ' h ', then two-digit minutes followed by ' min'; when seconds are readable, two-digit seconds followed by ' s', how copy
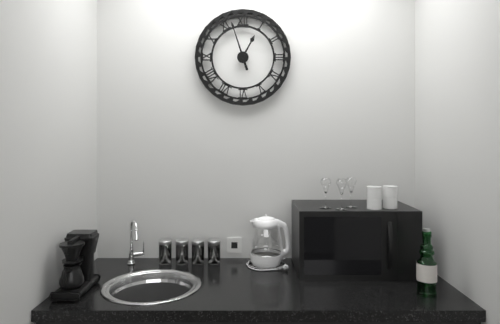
12 h 57 min
